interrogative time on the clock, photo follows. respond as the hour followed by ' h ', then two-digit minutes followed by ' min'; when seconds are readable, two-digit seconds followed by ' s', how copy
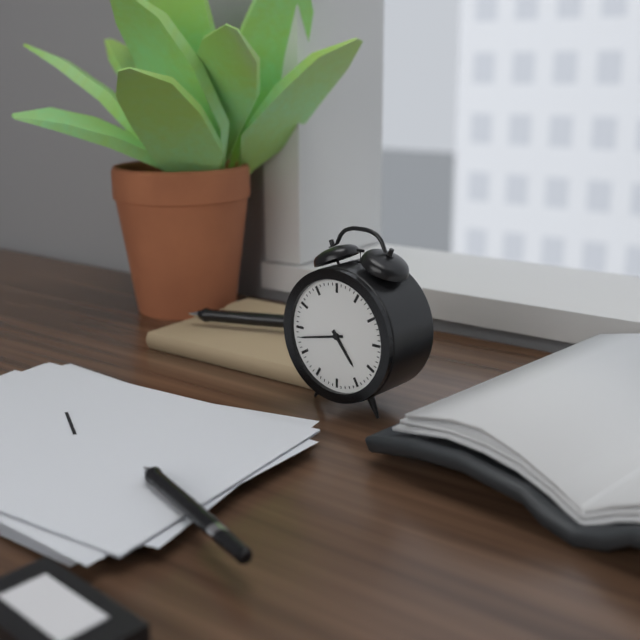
4 h 43 min
